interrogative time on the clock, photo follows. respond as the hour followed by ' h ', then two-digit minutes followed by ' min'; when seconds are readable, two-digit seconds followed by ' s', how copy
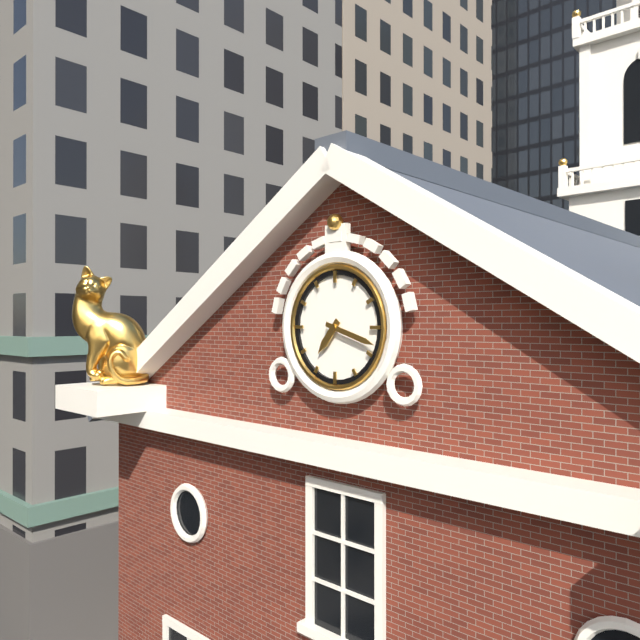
7 h 18 min
